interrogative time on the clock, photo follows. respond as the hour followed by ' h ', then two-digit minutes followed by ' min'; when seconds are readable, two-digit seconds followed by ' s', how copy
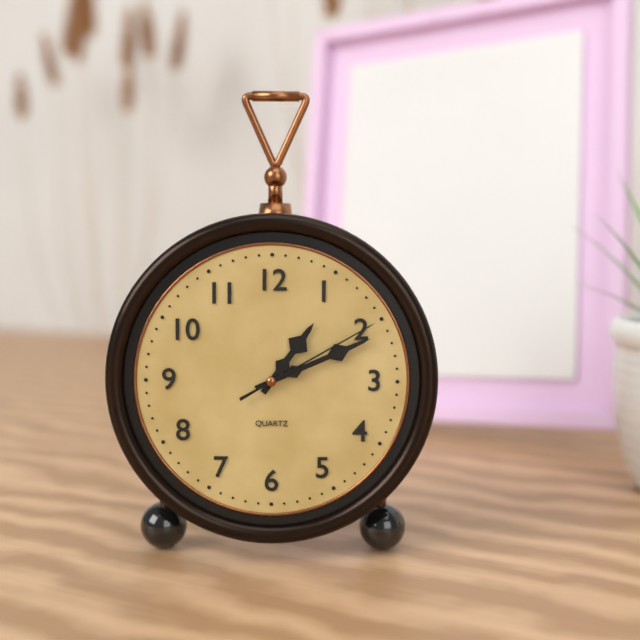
1 h 11 min 10 s
